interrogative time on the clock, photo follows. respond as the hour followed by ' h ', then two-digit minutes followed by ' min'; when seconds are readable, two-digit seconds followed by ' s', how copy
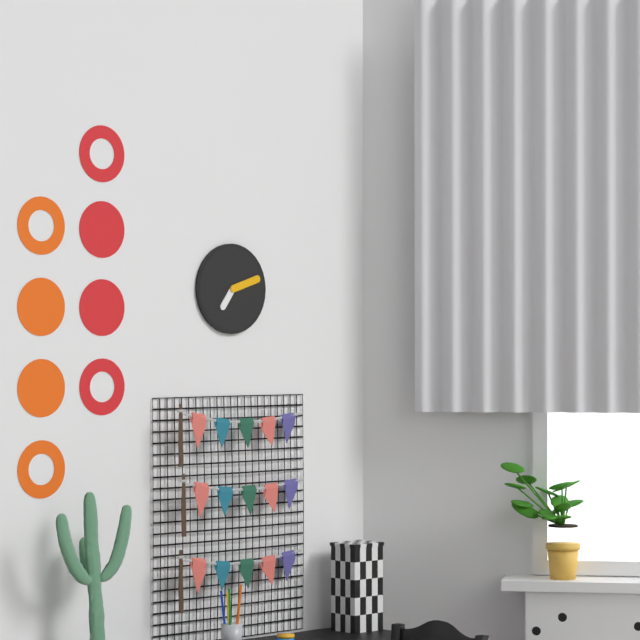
7 h 12 min
